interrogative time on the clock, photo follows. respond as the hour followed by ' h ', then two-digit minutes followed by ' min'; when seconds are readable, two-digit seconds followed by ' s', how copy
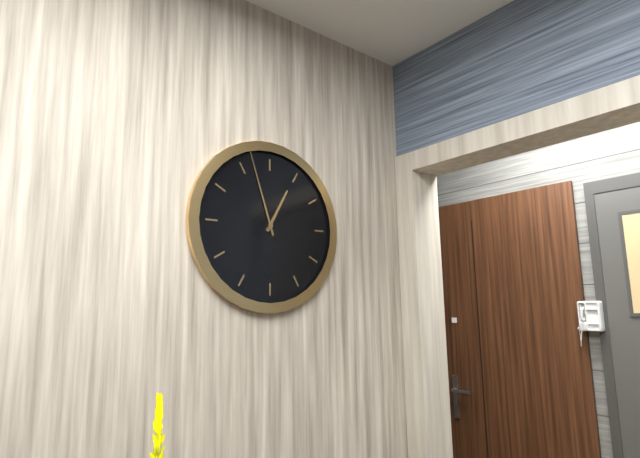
12 h 57 min
